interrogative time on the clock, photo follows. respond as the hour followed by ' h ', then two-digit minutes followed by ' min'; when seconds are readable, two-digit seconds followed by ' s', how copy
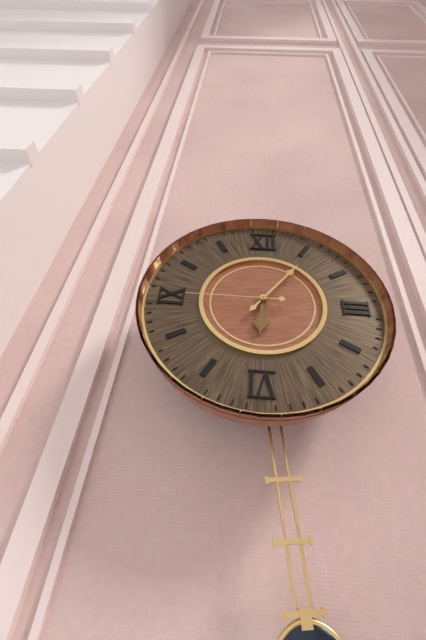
6 h 06 min 45 s
